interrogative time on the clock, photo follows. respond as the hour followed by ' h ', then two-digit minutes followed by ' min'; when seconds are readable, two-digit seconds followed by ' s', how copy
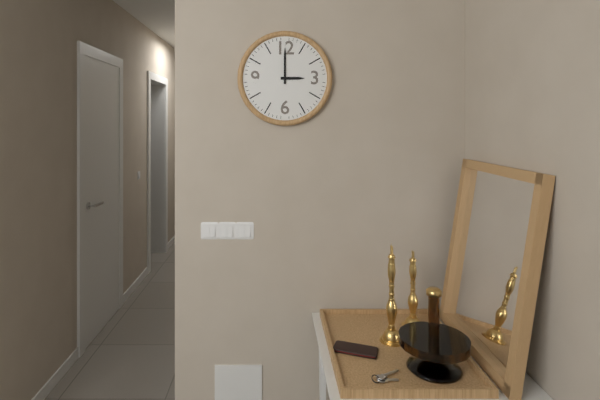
3 h 00 min
